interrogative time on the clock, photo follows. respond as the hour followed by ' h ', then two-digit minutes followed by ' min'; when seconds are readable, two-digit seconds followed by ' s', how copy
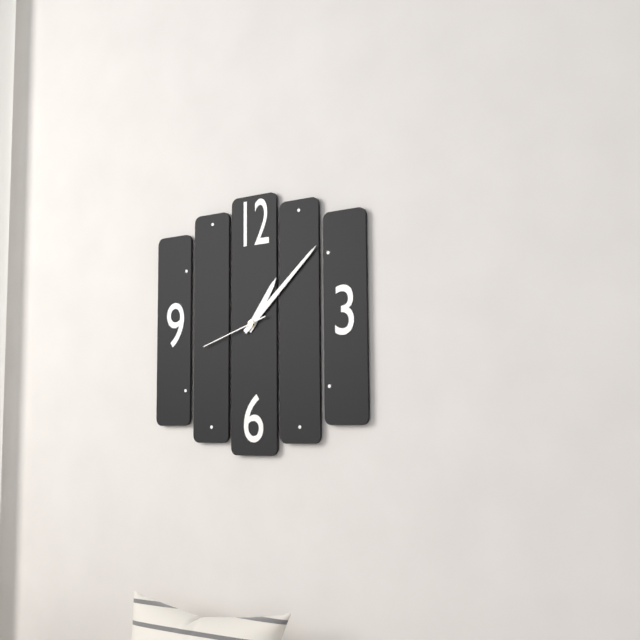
1 h 08 min 42 s
